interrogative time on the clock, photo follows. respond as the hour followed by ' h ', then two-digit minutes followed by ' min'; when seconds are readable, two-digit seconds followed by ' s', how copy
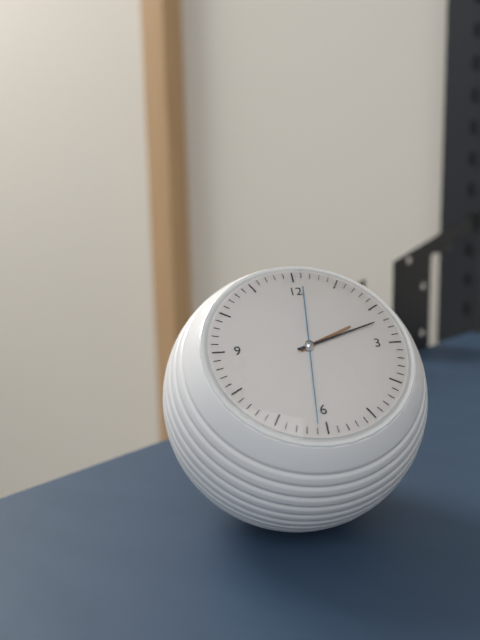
2 h 12 min 31 s
